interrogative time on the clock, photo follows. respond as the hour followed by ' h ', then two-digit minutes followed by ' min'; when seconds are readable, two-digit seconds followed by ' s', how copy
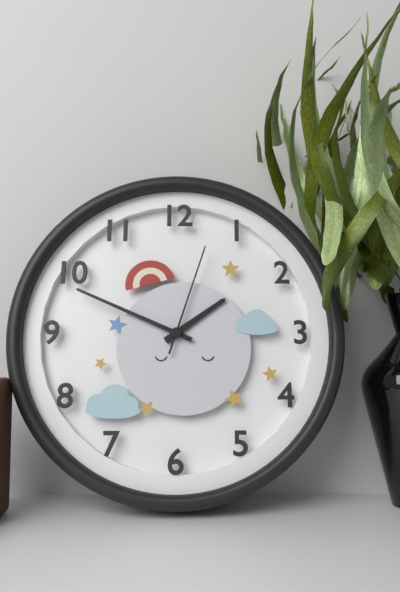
1 h 49 min 03 s
